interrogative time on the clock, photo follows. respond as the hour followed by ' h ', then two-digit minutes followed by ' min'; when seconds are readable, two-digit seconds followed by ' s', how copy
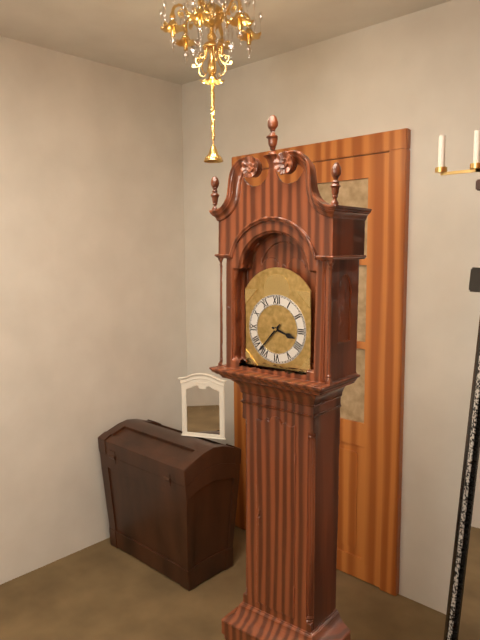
3 h 37 min
